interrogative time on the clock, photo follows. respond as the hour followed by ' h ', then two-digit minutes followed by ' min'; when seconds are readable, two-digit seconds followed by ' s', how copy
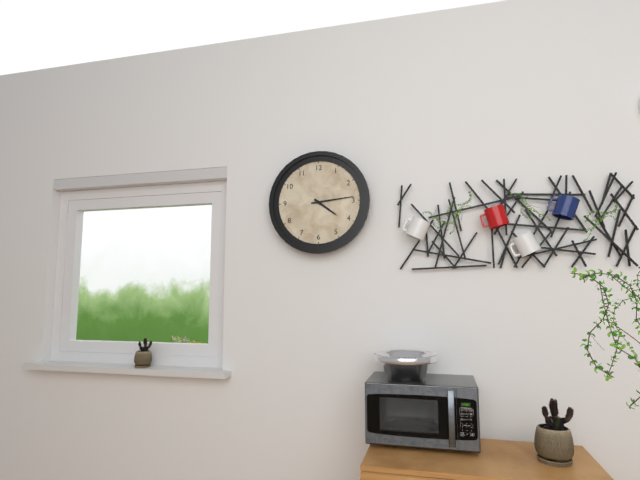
4 h 14 min
